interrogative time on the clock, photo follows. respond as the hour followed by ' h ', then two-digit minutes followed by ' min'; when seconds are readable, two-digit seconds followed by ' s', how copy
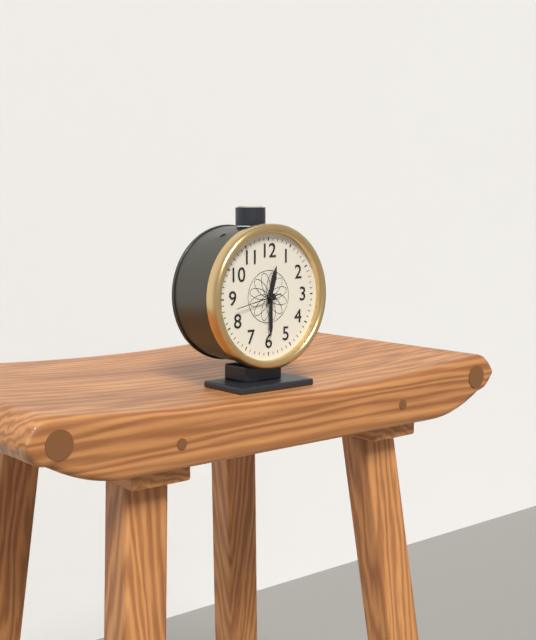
12 h 30 min
